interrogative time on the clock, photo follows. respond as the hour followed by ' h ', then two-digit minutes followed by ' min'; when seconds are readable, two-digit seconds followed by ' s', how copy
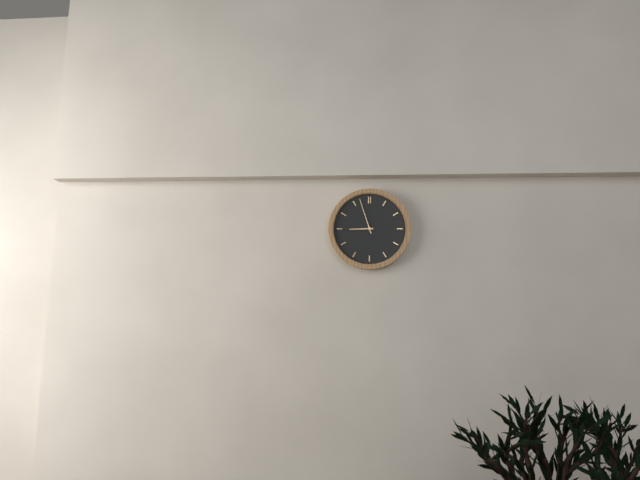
8 h 57 min
